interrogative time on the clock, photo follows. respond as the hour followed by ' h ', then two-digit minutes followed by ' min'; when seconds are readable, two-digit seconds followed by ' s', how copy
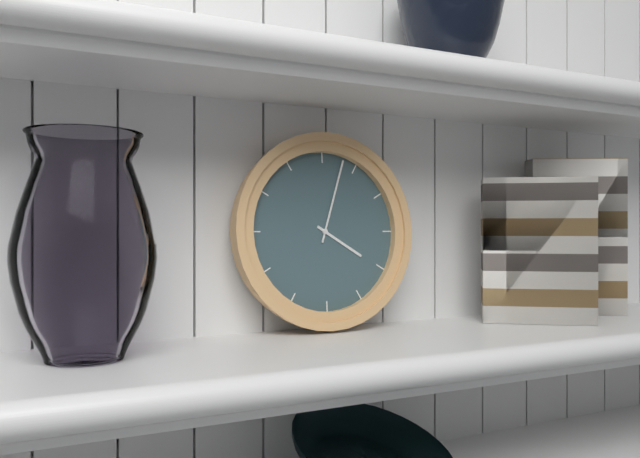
4 h 03 min
